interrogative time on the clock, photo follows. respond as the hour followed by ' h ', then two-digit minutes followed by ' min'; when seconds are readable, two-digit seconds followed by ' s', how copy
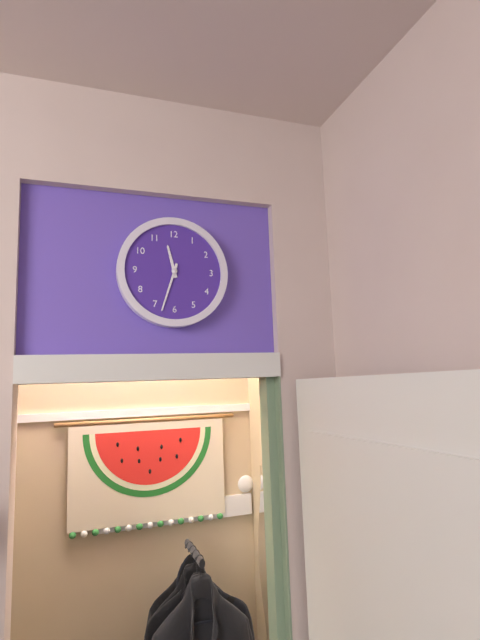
11 h 33 min
